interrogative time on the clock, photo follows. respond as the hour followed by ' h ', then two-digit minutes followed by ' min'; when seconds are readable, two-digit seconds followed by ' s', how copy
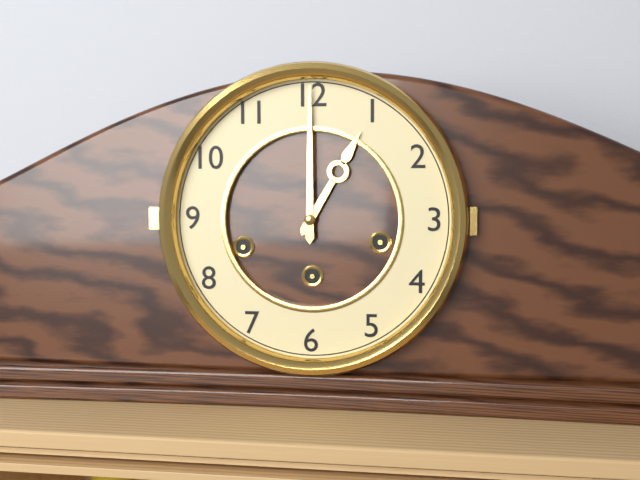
1 h 00 min
